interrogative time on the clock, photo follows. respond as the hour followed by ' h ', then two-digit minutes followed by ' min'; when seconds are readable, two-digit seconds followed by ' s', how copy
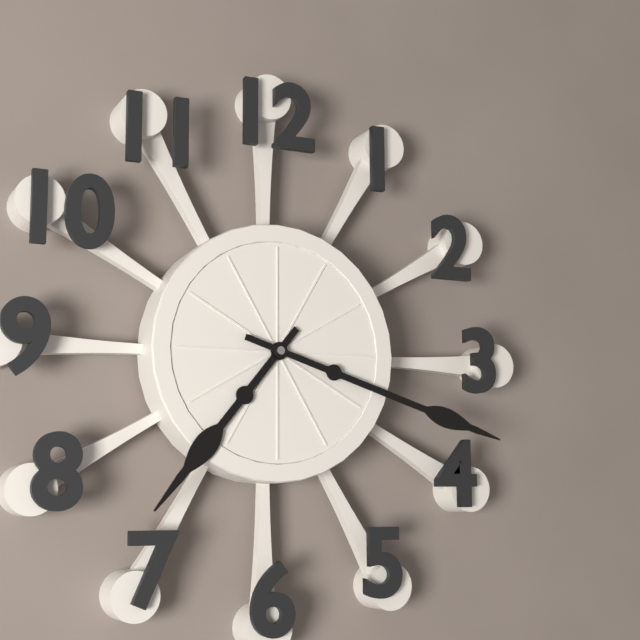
7 h 18 min
